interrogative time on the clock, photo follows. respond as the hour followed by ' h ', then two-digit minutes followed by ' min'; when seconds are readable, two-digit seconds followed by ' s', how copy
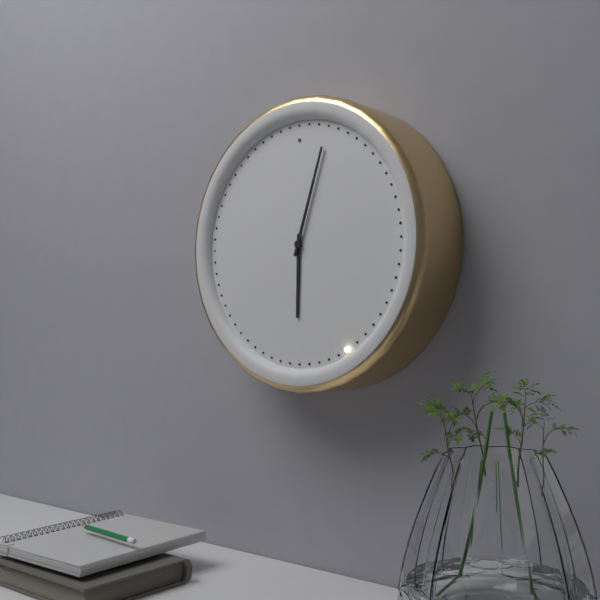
6 h 03 min
